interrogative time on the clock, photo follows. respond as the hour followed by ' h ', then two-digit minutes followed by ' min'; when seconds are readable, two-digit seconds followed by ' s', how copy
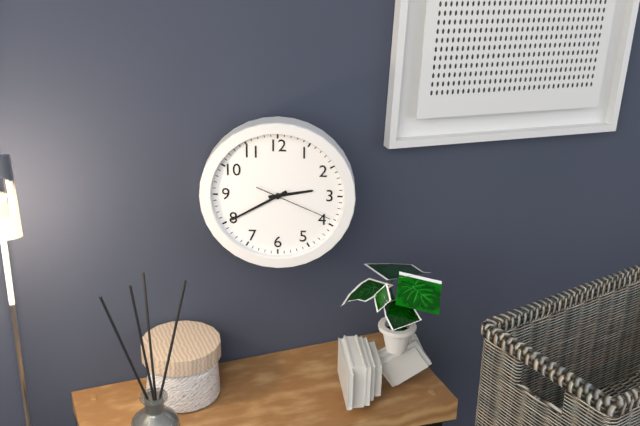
2 h 40 min 19 s
